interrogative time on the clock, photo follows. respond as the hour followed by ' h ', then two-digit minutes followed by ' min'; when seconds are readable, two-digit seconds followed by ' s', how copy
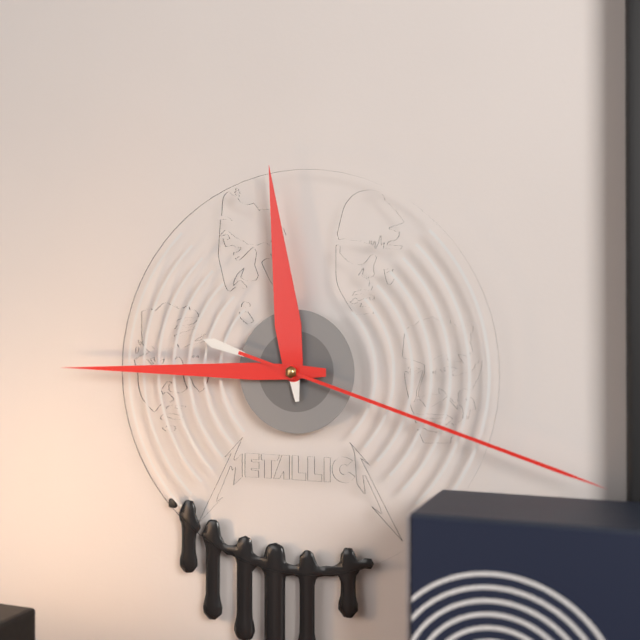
11 h 45 min 18 s
